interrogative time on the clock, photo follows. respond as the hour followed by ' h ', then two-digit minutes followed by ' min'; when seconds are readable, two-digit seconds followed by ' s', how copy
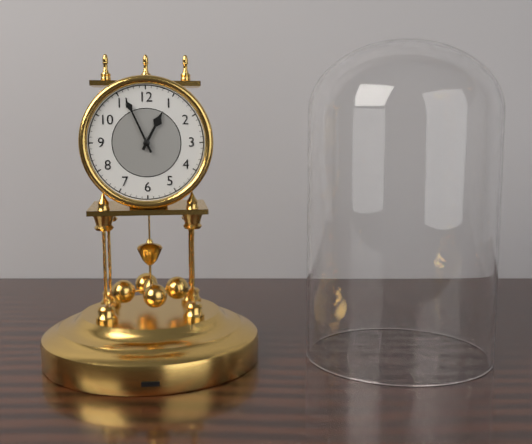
12 h 56 min
